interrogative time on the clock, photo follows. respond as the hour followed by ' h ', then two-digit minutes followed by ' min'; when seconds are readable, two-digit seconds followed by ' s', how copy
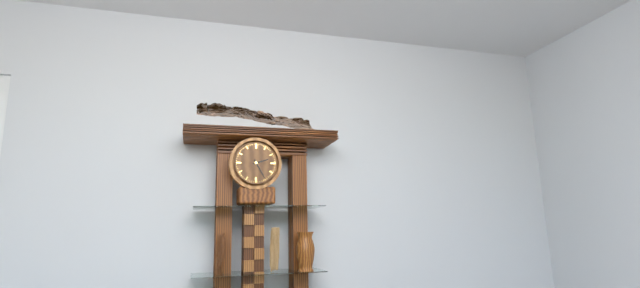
2 h 25 min
